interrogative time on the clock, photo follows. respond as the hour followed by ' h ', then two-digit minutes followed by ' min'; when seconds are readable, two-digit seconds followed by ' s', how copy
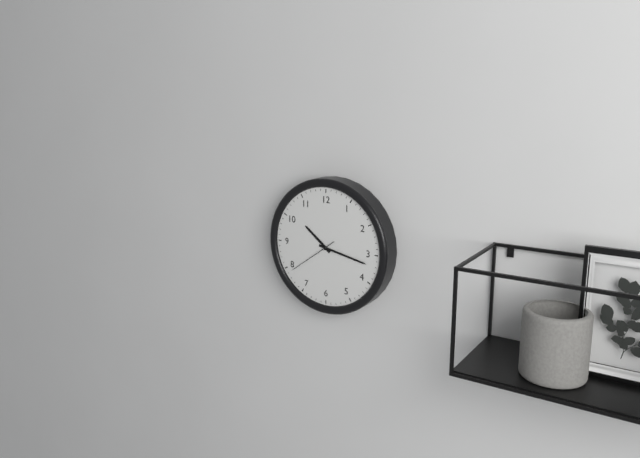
10 h 17 min 39 s
